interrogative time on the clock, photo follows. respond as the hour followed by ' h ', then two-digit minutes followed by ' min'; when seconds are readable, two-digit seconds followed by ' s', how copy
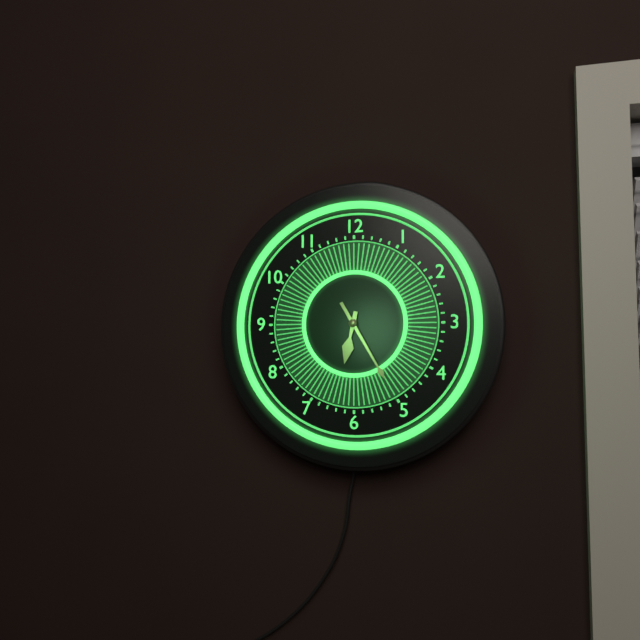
6 h 25 min
